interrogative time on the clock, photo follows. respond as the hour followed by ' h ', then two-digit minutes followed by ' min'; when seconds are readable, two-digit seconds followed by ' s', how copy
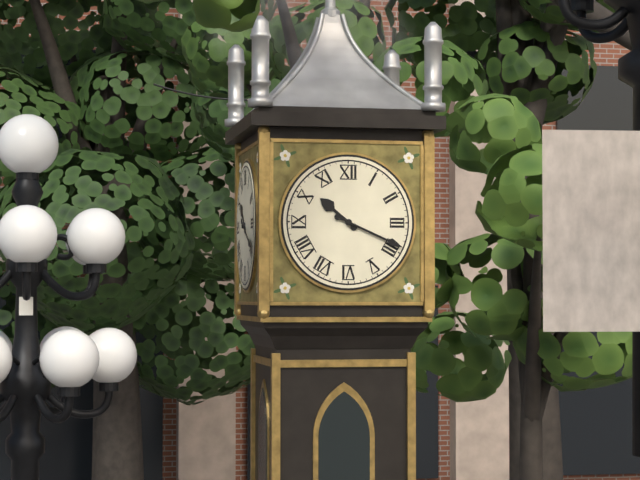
10 h 19 min
